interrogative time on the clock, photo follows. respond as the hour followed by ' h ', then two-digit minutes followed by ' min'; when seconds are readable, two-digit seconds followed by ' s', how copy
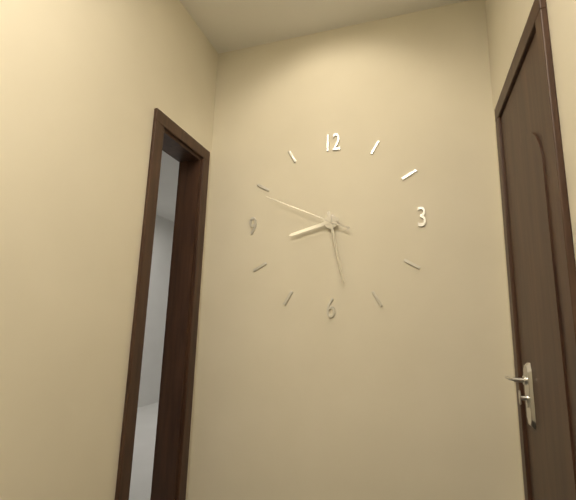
8 h 28 min 49 s
